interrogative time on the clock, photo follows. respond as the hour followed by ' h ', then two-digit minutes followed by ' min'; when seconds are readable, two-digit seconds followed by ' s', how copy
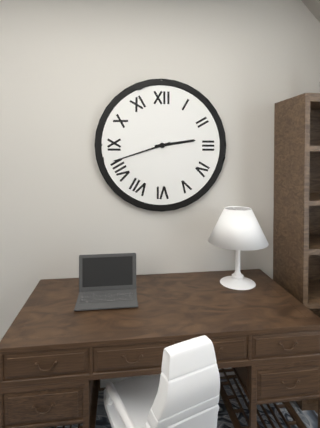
2 h 42 min
